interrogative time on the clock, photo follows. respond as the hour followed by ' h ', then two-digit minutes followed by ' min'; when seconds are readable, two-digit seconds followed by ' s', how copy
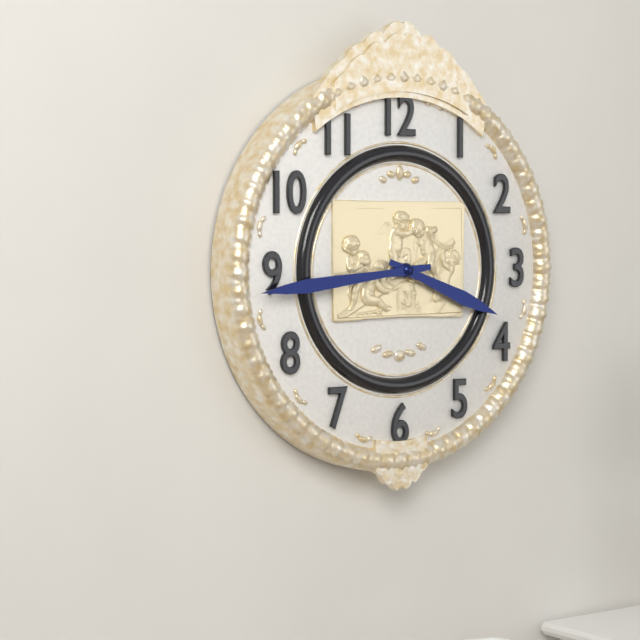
3 h 44 min
